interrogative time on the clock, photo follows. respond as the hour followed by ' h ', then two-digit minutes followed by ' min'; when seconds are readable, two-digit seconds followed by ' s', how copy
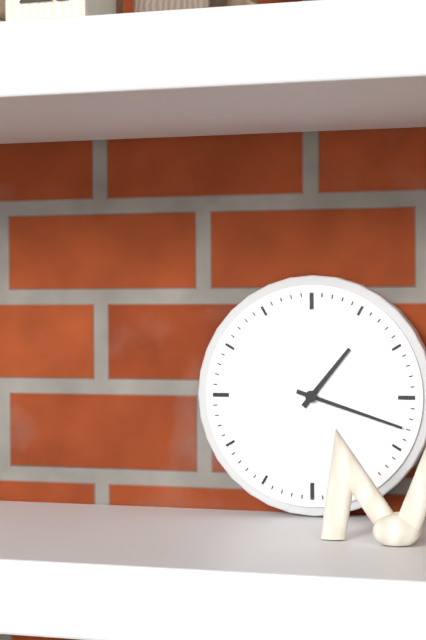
1 h 18 min
